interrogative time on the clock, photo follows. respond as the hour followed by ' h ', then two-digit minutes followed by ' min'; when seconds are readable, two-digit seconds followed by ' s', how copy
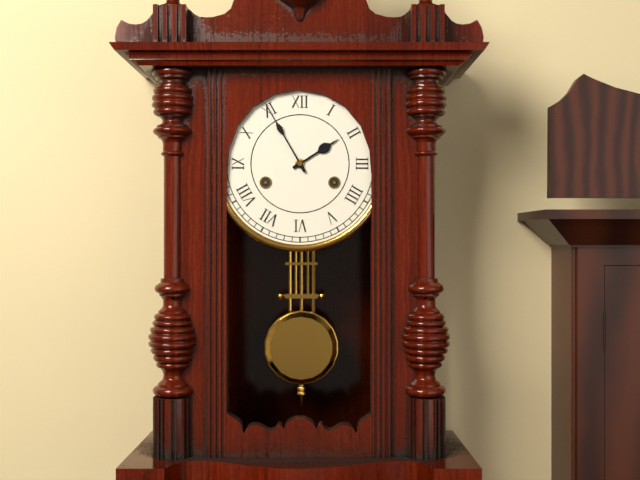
1 h 55 min
